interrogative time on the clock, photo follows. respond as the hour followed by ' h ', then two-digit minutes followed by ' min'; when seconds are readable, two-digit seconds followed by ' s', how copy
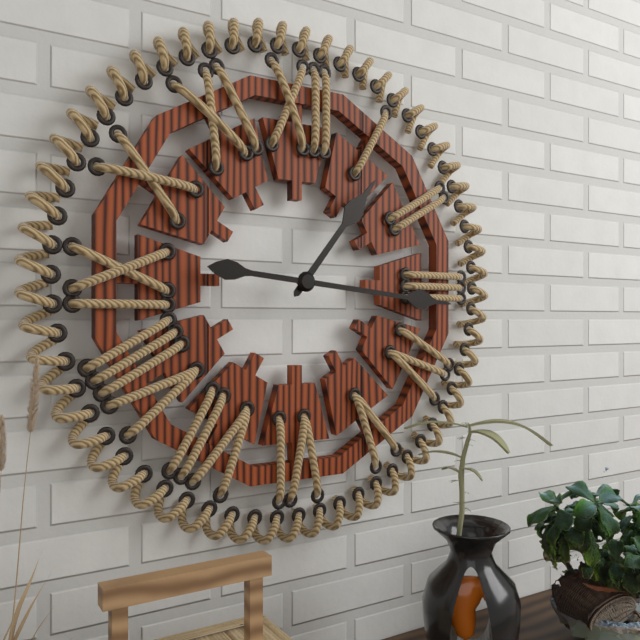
1 h 16 min
